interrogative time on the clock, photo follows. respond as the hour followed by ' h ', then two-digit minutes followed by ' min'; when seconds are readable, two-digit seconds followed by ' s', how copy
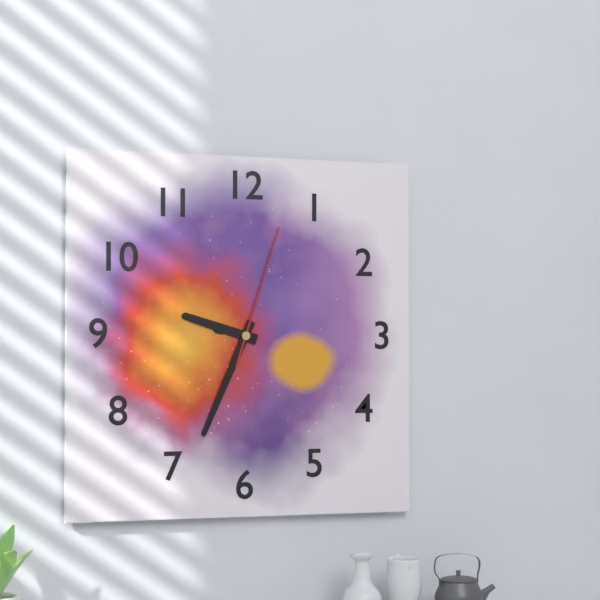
9 h 34 min 03 s
